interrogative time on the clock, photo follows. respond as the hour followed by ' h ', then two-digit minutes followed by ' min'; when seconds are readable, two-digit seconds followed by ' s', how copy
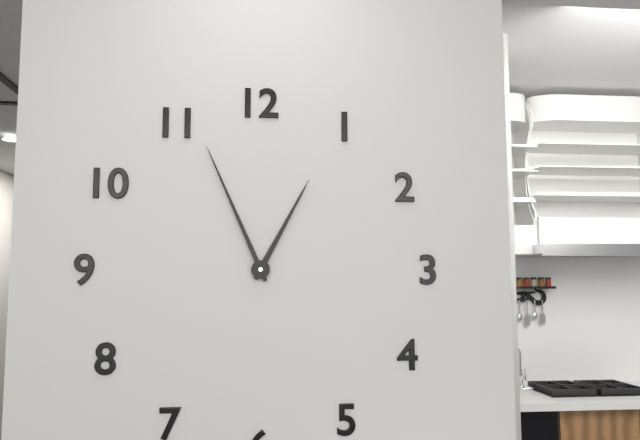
12 h 56 min
